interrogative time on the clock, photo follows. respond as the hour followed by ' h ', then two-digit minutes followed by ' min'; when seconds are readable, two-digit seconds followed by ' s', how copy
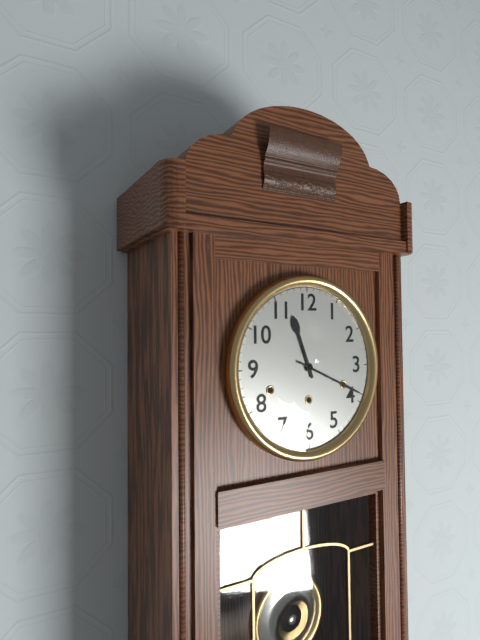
11 h 19 min
